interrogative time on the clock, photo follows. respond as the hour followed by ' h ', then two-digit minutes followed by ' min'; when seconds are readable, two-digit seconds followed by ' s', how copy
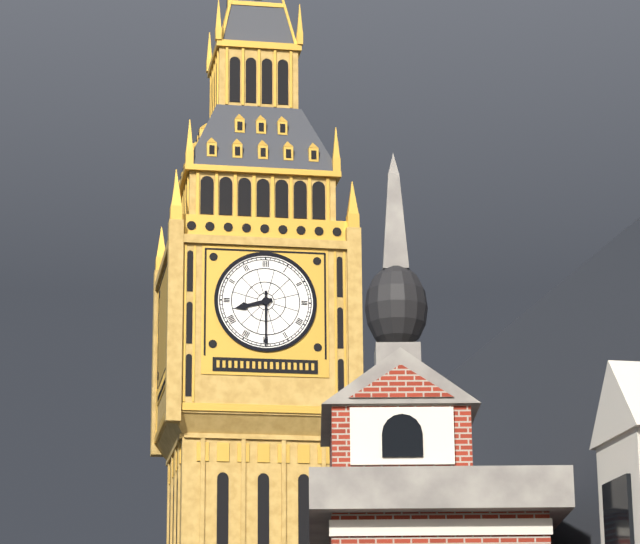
8 h 30 min
